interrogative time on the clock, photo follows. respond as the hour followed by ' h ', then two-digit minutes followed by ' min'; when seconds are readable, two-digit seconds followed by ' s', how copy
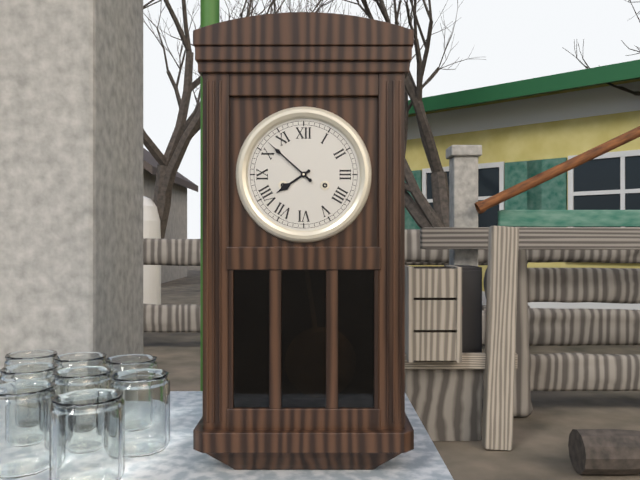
7 h 52 min
